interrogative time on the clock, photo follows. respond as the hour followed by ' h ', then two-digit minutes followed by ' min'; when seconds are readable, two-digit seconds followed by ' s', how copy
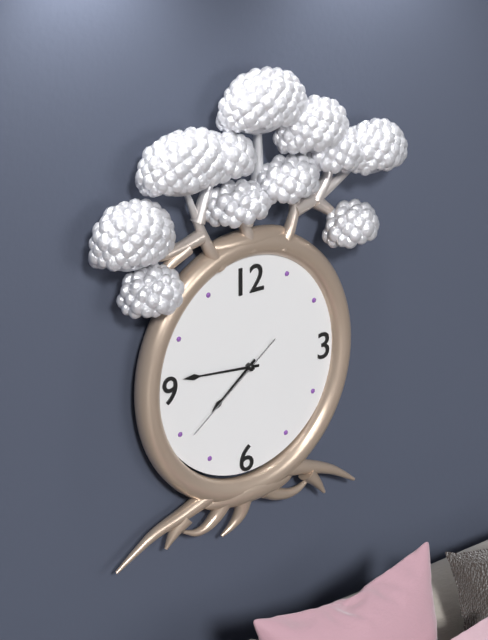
7 h 46 min 39 s
